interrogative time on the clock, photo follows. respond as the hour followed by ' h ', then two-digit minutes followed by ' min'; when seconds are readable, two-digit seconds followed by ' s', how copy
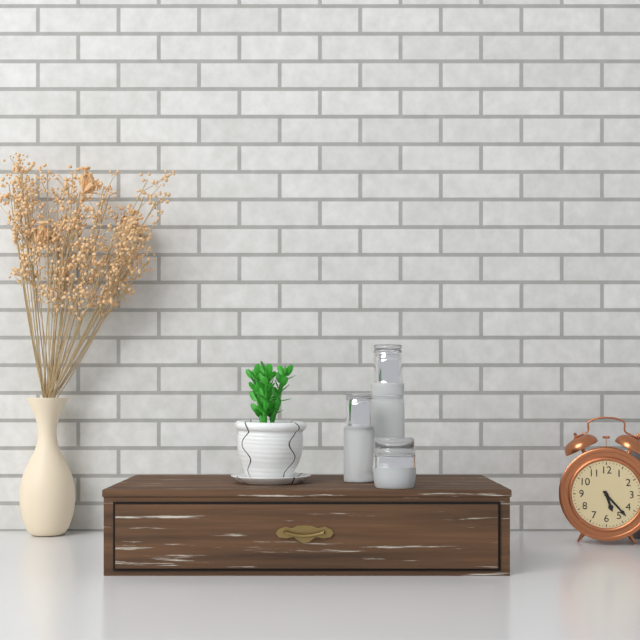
5 h 23 min
